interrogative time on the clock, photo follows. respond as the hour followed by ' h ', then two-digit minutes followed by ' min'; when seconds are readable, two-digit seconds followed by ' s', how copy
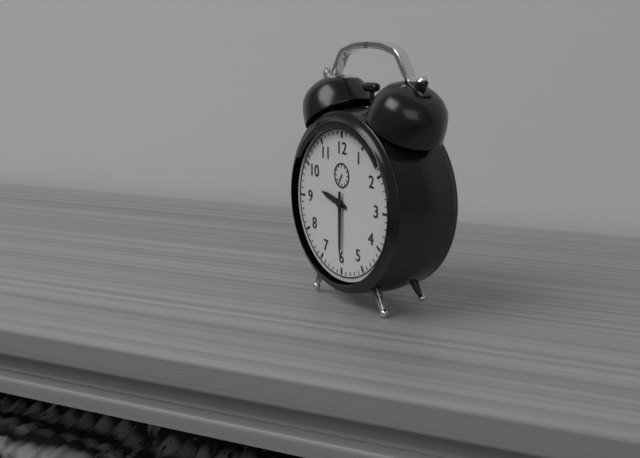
9 h 30 min
